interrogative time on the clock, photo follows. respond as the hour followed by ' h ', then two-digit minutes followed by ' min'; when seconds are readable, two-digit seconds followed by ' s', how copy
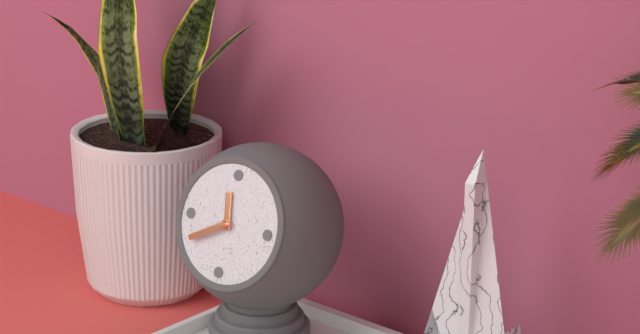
11 h 40 min
